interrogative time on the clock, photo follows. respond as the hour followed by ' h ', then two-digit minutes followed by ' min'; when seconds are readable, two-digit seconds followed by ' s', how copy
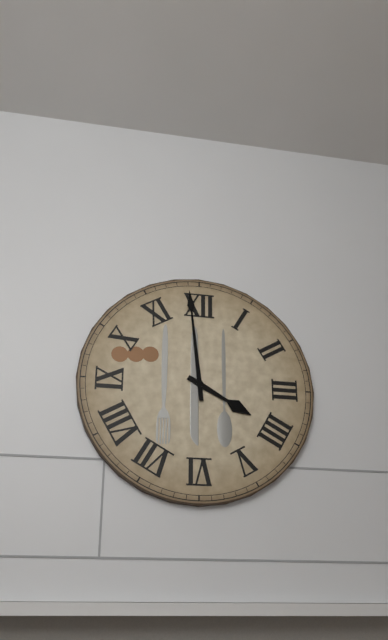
3 h 59 min
